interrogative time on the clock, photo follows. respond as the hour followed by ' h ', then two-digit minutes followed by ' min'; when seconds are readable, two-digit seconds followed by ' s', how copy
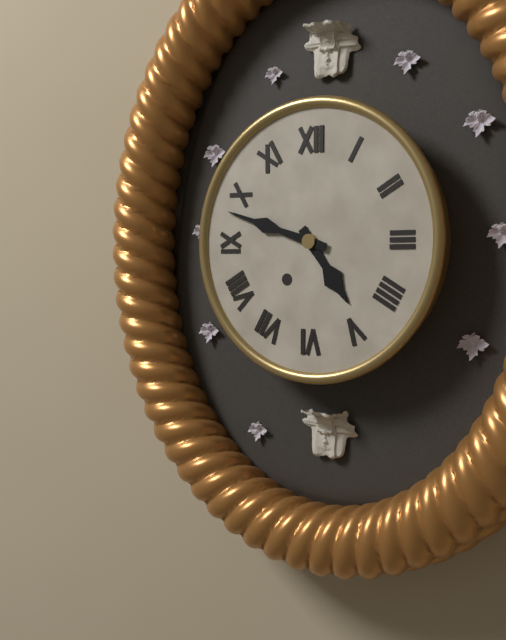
4 h 48 min
